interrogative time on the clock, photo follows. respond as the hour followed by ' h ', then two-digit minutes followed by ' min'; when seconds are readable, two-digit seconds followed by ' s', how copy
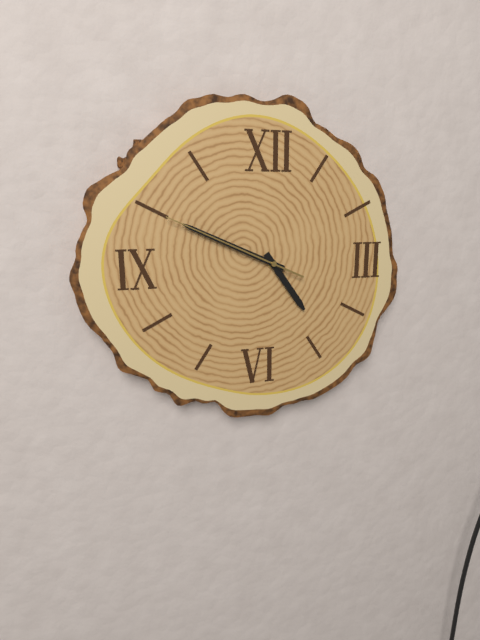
4 h 49 min 49 s
